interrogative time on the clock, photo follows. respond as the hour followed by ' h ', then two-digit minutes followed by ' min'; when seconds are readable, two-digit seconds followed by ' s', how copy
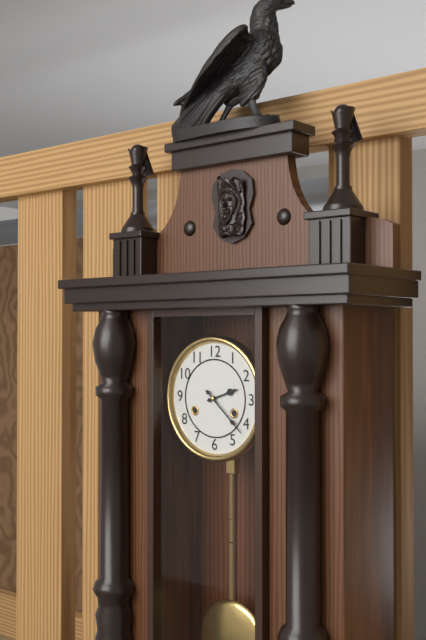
2 h 22 min
